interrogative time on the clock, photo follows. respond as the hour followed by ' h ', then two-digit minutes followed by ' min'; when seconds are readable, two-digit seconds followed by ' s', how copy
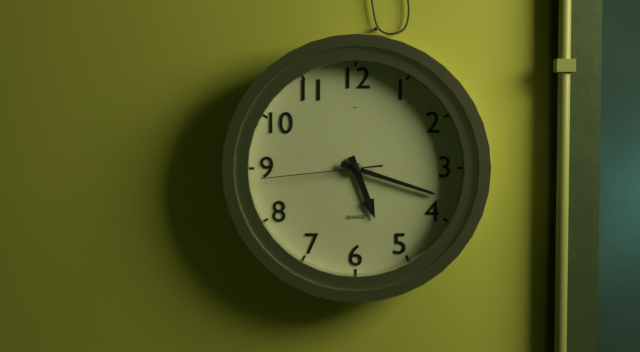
5 h 18 min 44 s
